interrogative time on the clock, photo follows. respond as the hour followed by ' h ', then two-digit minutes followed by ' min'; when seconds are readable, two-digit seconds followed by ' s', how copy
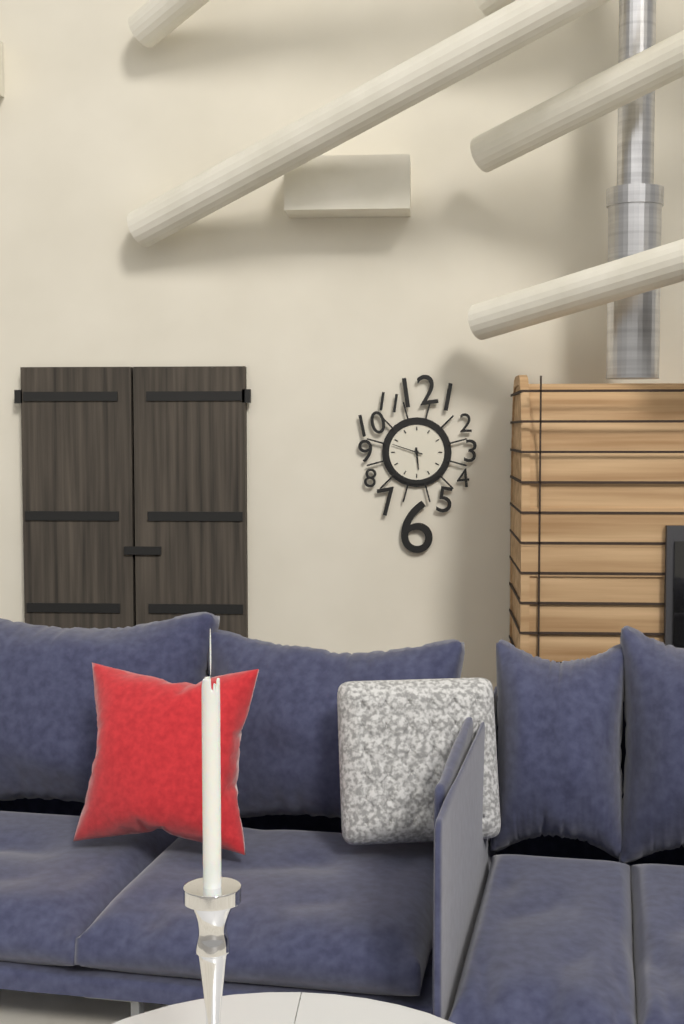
5 h 48 min
